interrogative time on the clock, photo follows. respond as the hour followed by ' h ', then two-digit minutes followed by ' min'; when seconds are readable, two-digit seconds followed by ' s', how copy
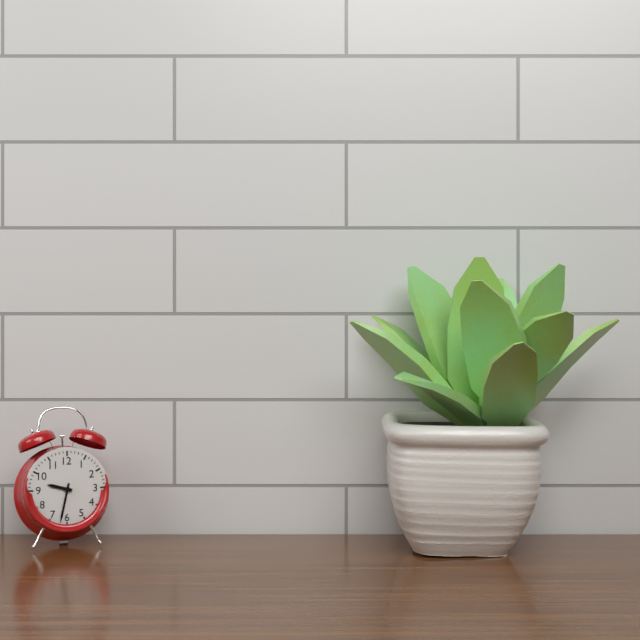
9 h 32 min
